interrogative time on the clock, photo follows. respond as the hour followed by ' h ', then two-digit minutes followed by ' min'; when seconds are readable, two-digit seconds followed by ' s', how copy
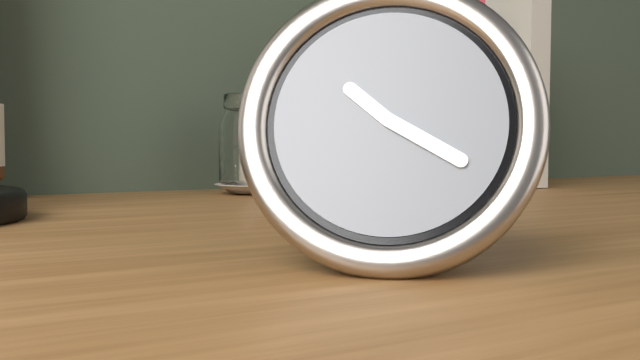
10 h 20 min
